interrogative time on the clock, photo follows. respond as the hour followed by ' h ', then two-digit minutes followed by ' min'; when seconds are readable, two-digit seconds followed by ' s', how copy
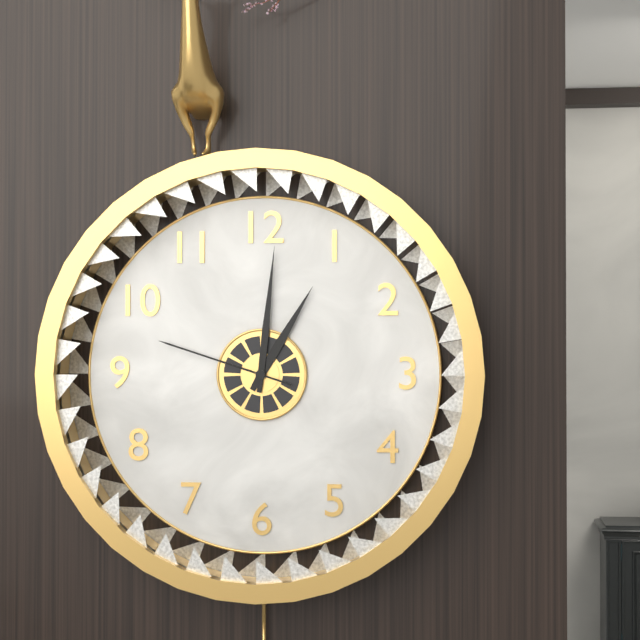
1 h 01 min 48 s
